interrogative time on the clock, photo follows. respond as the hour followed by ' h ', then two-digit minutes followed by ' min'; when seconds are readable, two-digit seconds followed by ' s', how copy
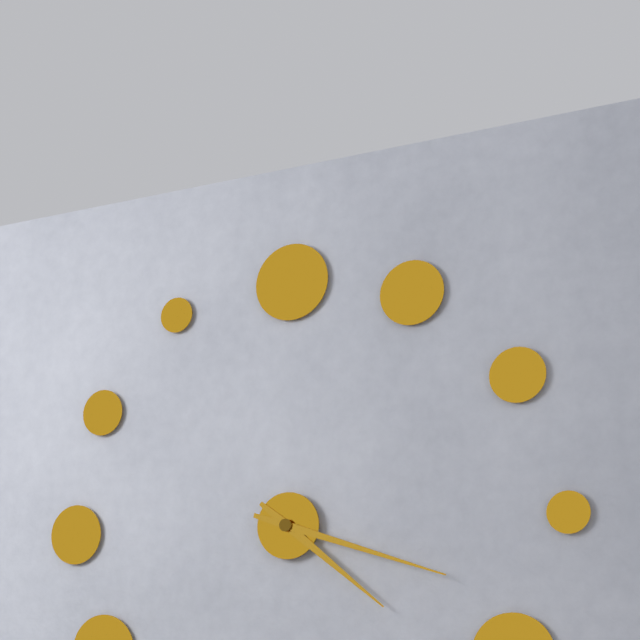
4 h 18 min
